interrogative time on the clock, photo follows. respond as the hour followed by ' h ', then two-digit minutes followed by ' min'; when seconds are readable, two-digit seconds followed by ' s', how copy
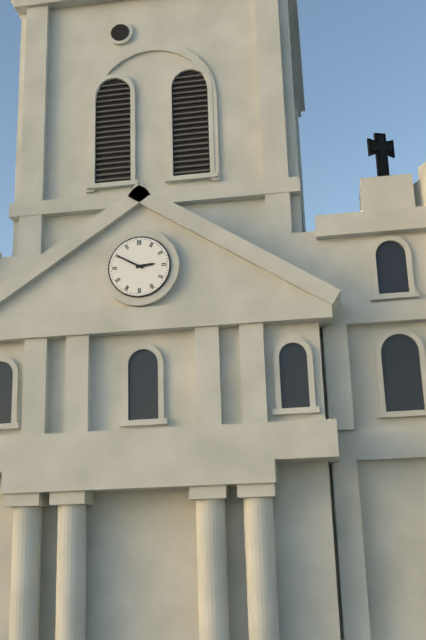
2 h 50 min
